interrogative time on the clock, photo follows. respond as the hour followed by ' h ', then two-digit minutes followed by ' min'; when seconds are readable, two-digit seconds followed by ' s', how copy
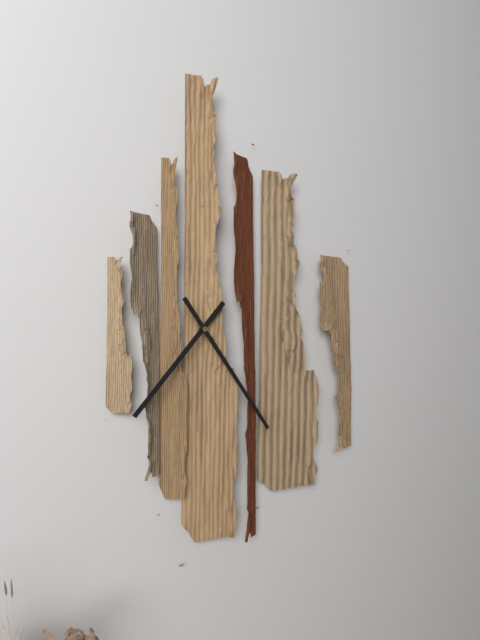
7 h 24 min
